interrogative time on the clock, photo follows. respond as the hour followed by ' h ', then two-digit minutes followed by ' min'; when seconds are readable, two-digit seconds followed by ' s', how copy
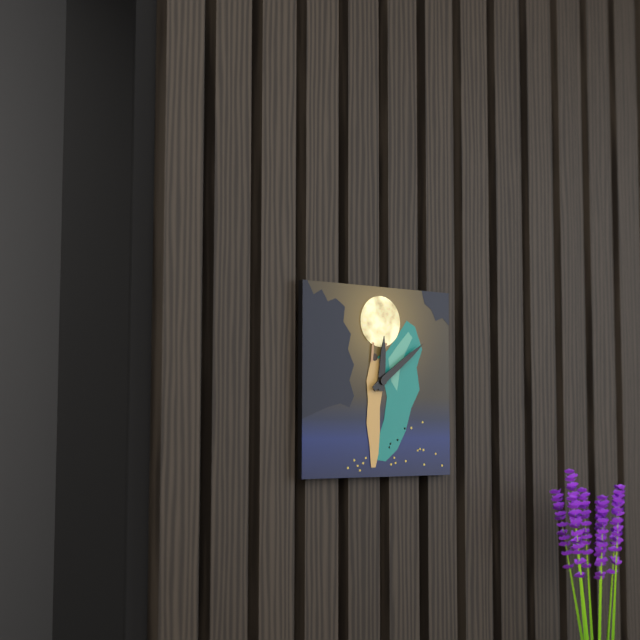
12 h 09 min
